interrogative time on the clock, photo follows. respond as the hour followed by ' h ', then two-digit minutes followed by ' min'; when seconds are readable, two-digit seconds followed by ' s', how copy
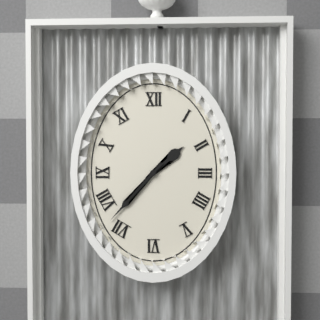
1 h 37 min
